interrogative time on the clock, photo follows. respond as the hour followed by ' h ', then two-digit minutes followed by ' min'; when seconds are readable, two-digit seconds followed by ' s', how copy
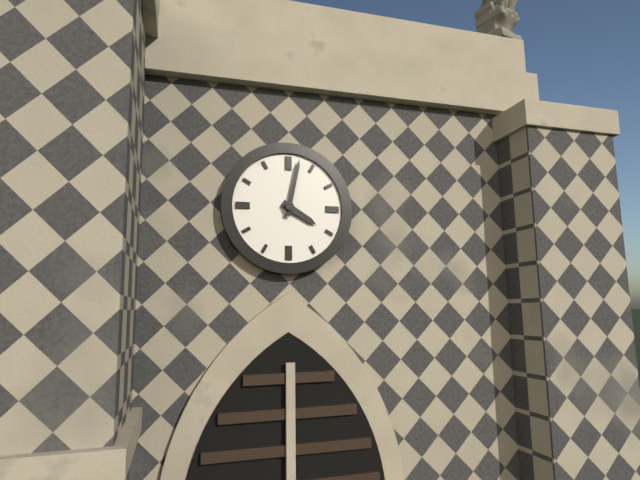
4 h 02 min
